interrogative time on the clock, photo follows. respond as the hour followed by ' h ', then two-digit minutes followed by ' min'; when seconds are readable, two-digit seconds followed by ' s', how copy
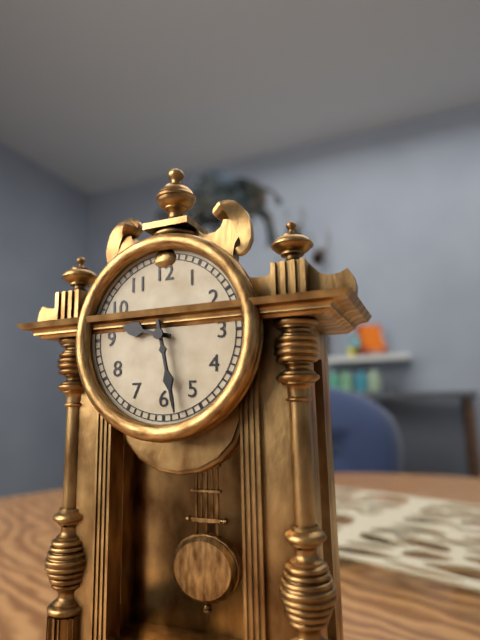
9 h 28 min
